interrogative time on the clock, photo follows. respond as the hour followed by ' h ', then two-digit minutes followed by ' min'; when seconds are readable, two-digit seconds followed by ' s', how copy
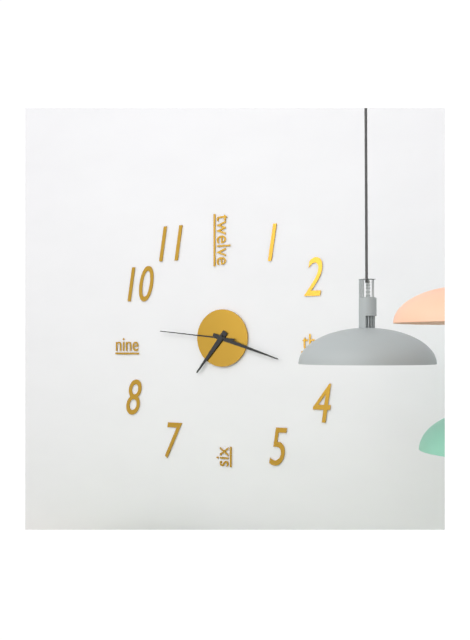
7 h 18 min 46 s
